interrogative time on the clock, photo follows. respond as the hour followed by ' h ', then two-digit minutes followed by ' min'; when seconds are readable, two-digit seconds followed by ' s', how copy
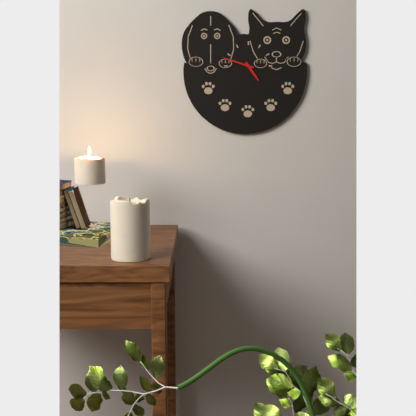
4 h 48 min
